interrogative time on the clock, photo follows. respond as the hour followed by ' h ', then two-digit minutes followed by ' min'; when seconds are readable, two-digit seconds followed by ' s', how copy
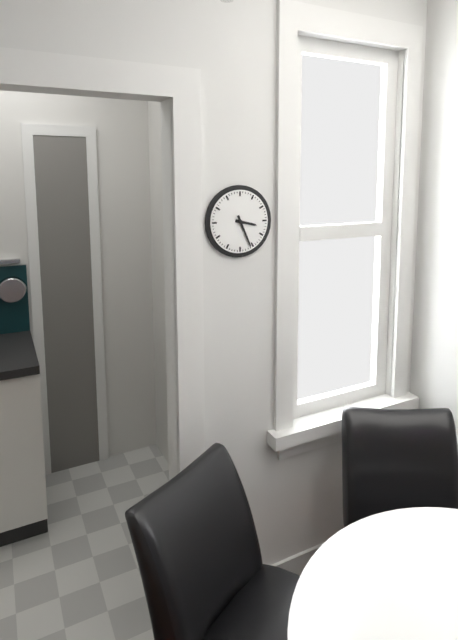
3 h 26 min
